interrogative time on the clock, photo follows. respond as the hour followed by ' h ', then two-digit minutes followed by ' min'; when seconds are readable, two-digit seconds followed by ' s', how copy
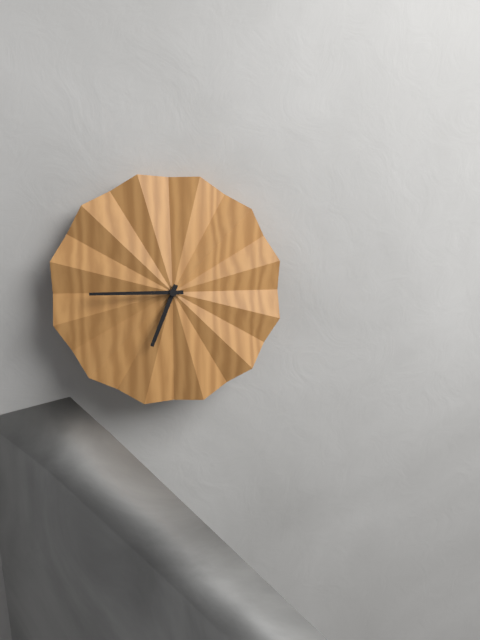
6 h 45 min
